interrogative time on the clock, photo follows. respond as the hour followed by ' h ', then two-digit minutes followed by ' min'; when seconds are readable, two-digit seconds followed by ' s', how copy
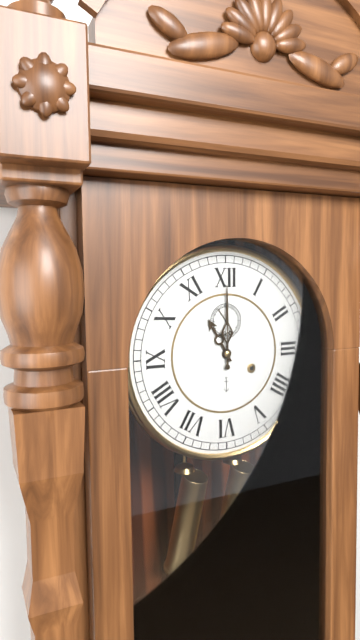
11 h 00 min
